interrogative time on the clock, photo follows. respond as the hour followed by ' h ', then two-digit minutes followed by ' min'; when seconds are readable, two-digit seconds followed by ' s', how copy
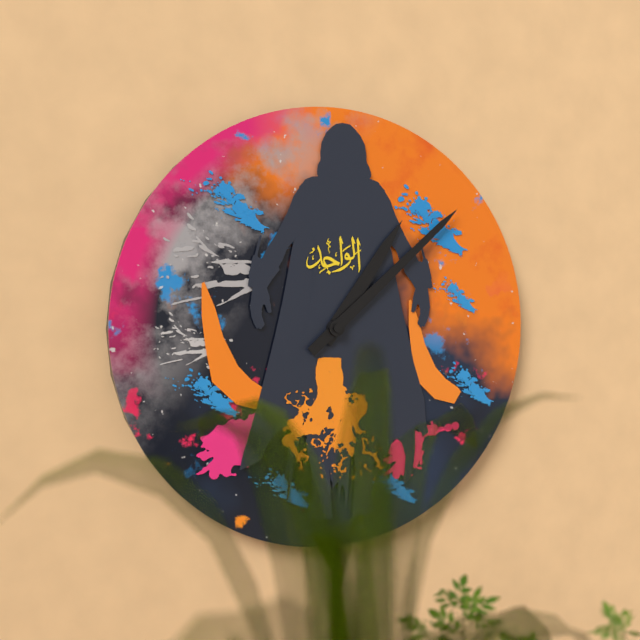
1 h 08 min
